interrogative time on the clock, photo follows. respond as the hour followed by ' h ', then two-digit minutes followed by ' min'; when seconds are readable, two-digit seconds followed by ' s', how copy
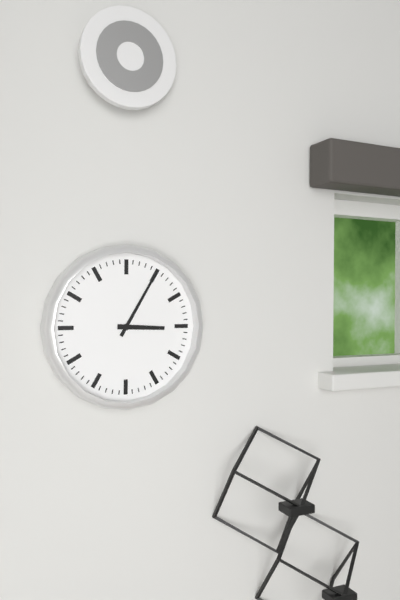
3 h 05 min
